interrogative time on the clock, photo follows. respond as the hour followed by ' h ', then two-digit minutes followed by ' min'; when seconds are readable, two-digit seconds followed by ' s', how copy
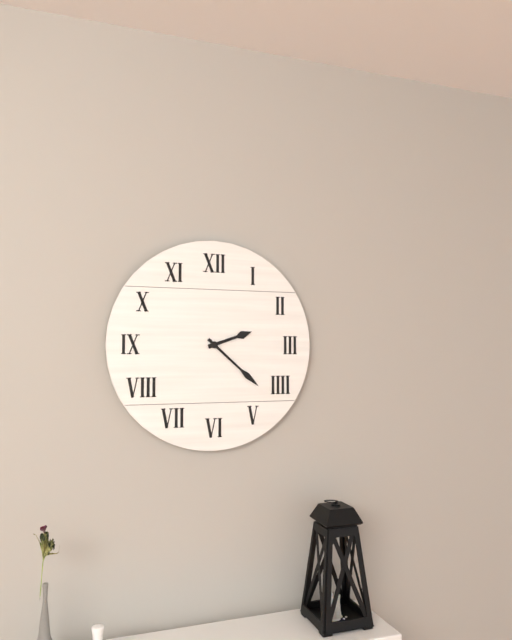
2 h 22 min
